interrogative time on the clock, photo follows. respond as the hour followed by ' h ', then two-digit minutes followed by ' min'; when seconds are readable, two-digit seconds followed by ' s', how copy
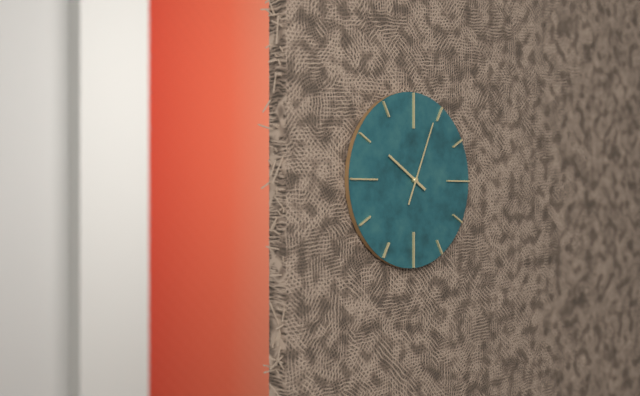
10 h 04 min
